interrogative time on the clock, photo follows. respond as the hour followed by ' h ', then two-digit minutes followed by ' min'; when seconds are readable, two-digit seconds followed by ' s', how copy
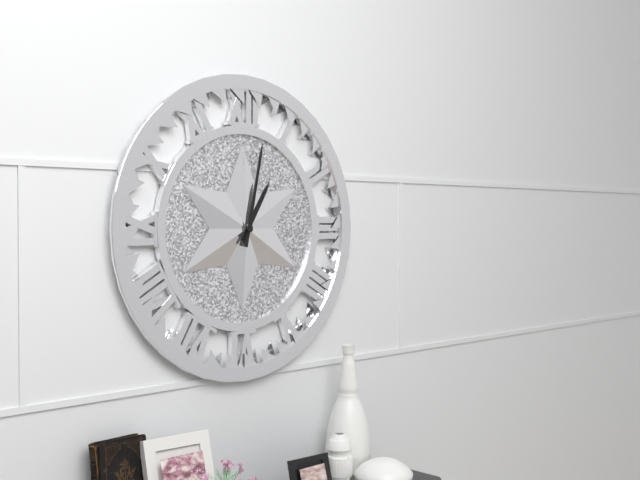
1 h 02 min
